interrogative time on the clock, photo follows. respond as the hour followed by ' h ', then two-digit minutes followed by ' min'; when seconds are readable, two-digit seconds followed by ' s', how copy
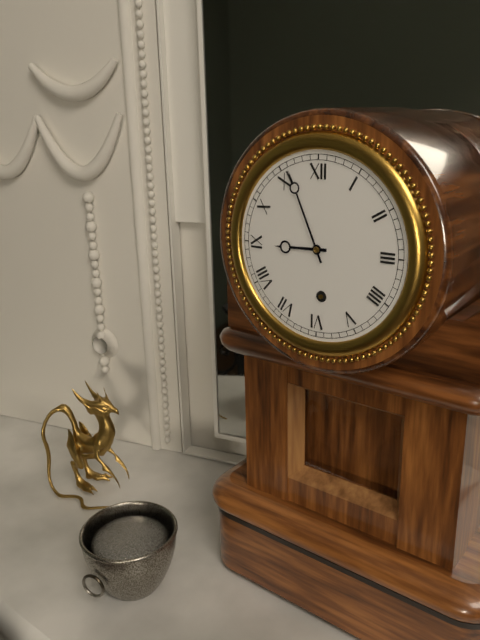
8 h 56 min
